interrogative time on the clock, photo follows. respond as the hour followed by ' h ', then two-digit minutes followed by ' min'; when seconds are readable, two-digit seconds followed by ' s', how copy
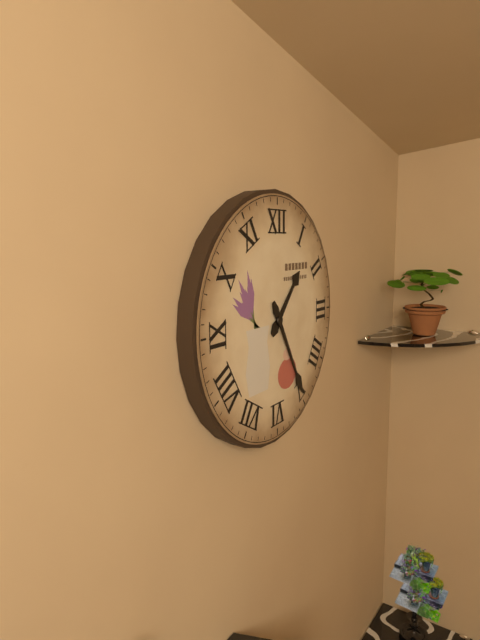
1 h 25 min
